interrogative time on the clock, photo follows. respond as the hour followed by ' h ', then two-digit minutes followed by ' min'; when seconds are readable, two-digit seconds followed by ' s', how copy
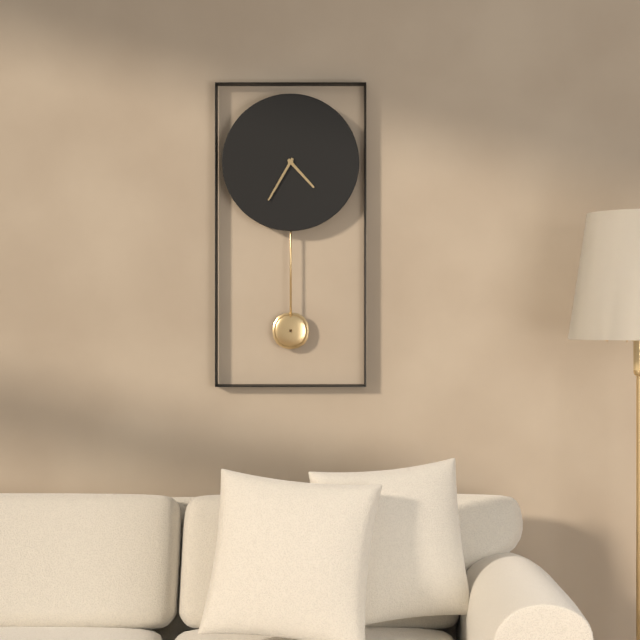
4 h 35 min
